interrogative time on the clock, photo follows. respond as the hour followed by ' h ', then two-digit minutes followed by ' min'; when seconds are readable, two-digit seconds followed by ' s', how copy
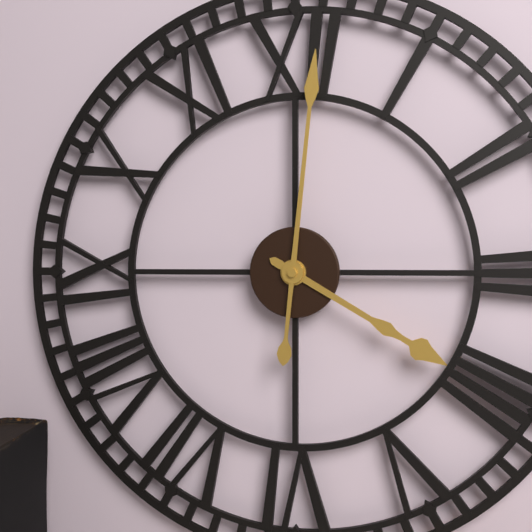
4 h 01 min
